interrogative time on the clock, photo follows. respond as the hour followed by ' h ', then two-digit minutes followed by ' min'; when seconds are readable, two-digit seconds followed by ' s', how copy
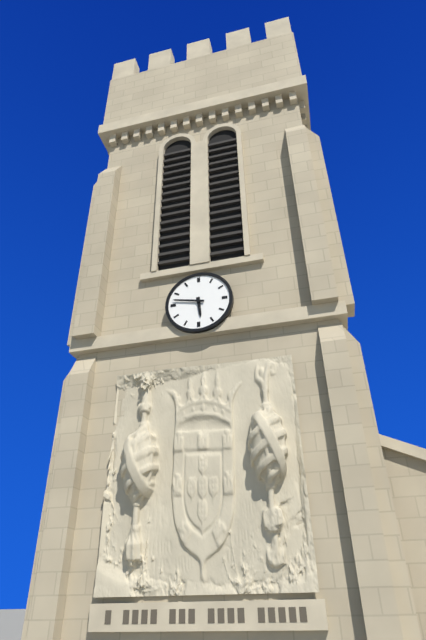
5 h 47 min
